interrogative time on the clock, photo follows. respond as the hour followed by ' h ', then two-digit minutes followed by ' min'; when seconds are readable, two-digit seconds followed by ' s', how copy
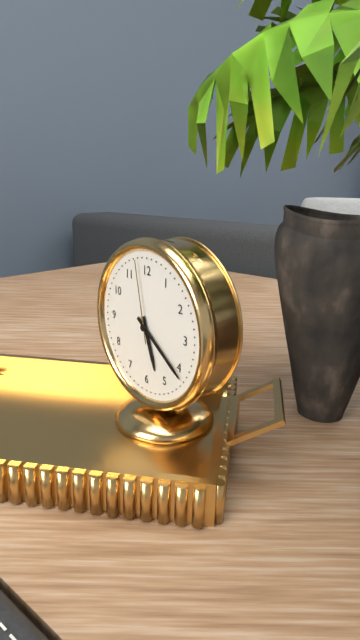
5 h 21 min 58 s
